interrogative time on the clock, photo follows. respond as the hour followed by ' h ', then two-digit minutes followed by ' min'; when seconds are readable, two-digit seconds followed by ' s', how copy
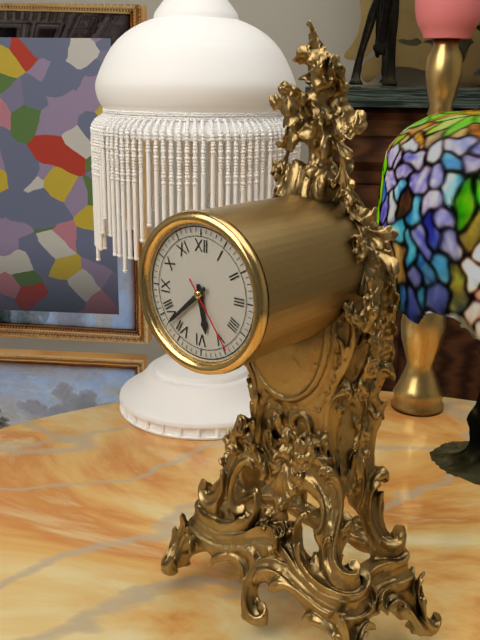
5 h 38 min 24 s
